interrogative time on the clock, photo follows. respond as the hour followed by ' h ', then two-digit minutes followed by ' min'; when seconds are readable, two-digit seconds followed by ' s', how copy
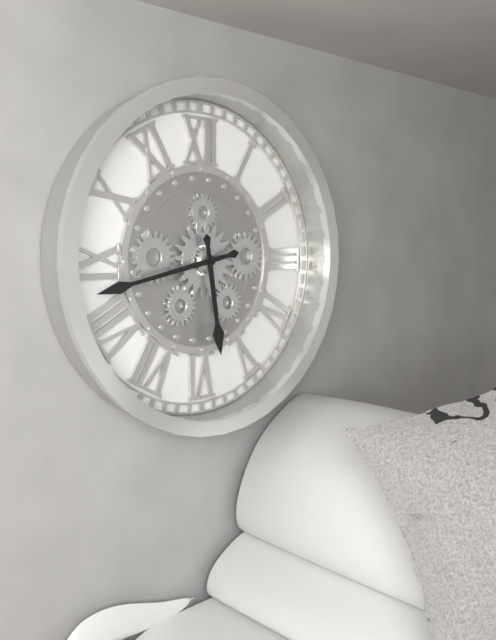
5 h 43 min
